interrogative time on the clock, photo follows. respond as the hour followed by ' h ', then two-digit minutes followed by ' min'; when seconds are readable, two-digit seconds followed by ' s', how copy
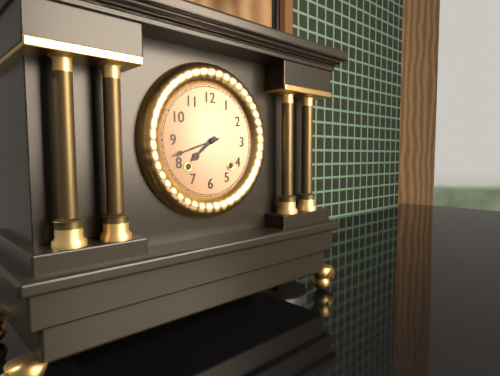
7 h 42 min
